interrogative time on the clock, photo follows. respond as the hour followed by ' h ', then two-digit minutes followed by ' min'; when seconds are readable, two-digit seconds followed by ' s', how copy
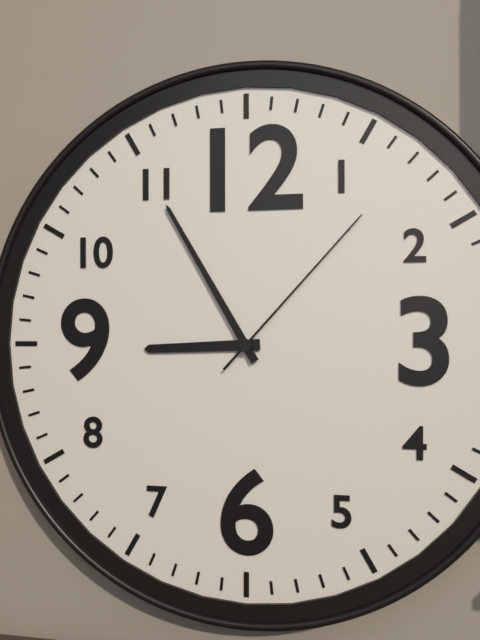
8 h 55 min 07 s
